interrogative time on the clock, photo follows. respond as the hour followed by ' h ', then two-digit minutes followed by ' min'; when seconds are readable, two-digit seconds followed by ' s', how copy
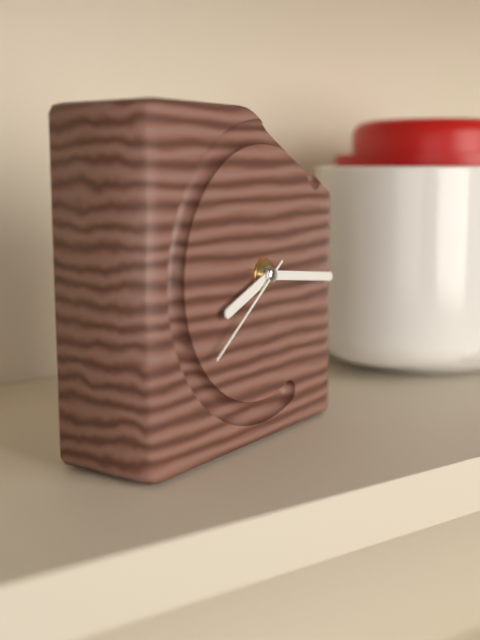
8 h 16 min 39 s
